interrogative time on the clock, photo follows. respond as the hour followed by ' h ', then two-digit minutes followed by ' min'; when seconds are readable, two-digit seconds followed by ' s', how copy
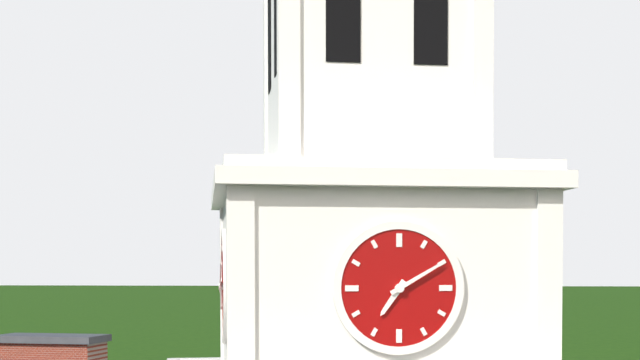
7 h 10 min
